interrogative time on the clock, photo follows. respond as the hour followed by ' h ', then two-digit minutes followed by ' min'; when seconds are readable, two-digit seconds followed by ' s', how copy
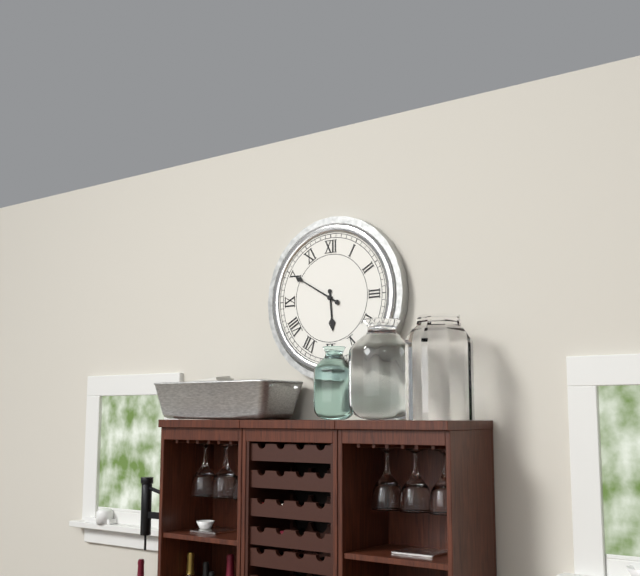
5 h 50 min
